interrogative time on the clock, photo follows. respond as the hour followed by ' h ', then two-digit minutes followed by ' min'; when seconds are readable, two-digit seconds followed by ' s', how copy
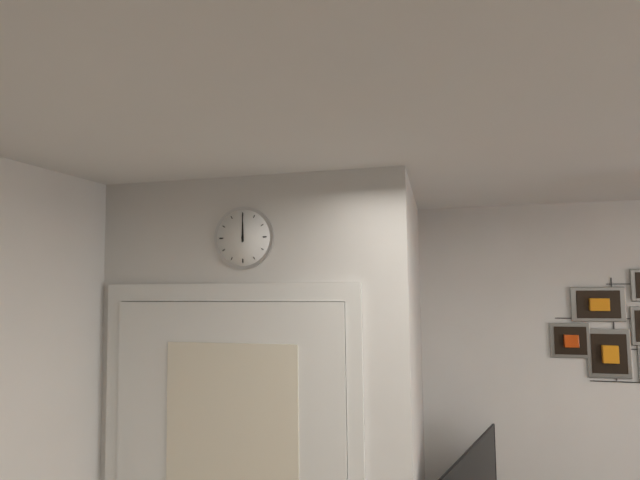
12 h 00 min
